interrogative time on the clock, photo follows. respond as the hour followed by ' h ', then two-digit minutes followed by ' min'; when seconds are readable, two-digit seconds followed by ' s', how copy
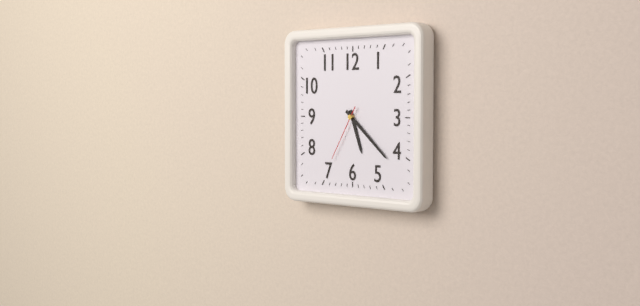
5 h 22 min 35 s
